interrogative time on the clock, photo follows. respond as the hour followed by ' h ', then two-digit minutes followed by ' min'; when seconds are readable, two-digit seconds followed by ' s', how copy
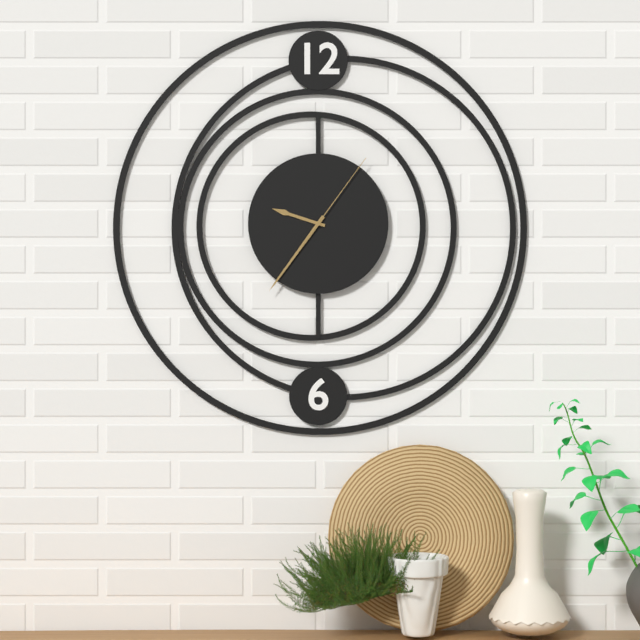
9 h 36 min 06 s
